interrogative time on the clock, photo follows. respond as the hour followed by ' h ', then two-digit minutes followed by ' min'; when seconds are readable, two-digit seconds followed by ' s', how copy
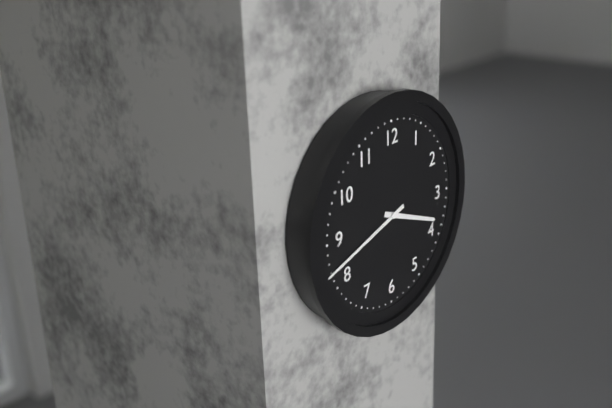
3 h 42 min
